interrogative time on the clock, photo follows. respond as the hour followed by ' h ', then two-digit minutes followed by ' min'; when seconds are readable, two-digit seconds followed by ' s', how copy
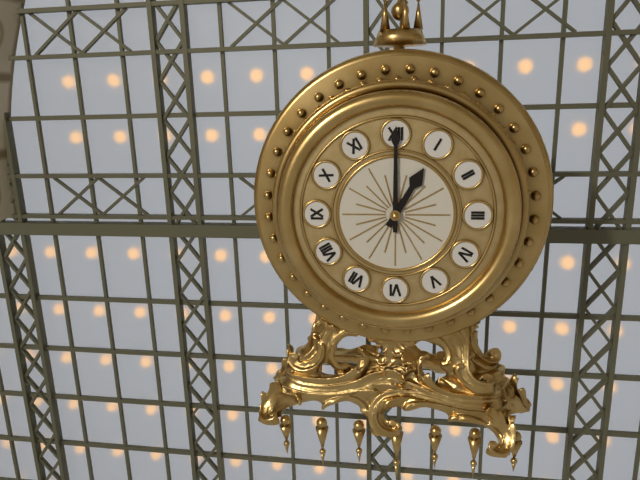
1 h 00 min
